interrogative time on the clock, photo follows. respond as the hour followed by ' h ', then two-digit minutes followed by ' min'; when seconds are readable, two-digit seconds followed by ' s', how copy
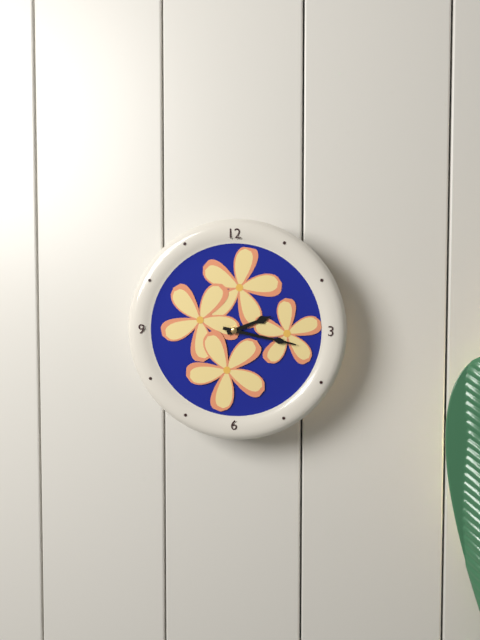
2 h 17 min
